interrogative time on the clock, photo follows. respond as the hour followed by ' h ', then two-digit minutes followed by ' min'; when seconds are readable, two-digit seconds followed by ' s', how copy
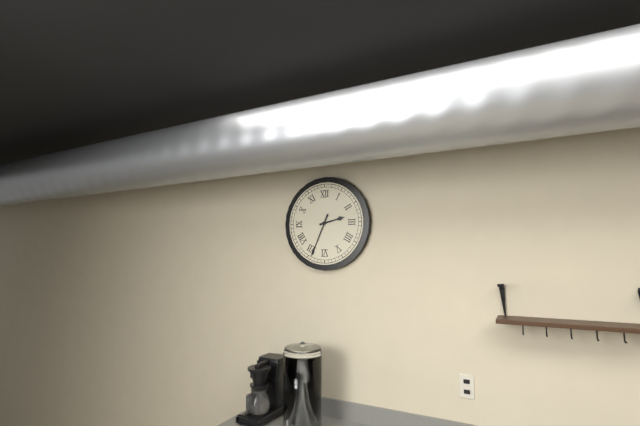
2 h 34 min
